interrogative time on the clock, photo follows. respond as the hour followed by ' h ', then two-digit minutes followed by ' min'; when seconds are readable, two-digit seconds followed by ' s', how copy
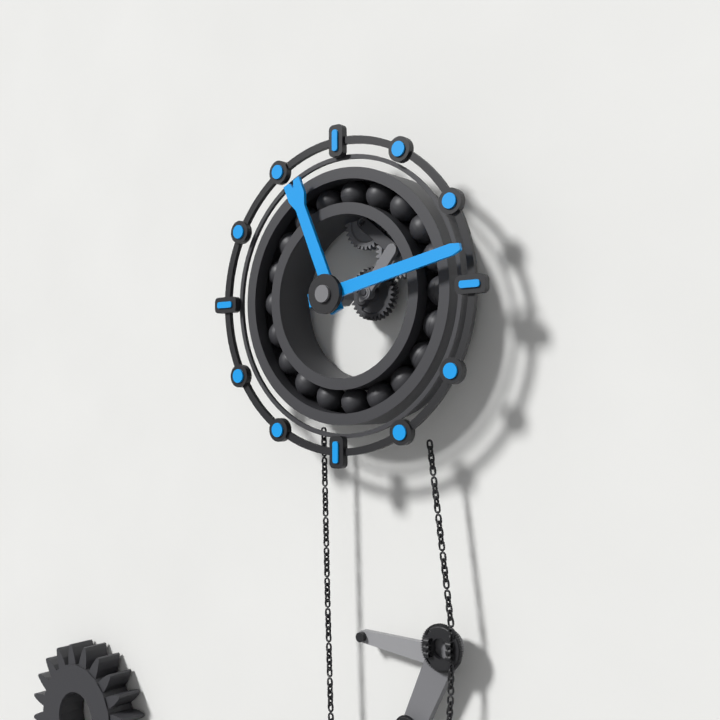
11 h 13 min
